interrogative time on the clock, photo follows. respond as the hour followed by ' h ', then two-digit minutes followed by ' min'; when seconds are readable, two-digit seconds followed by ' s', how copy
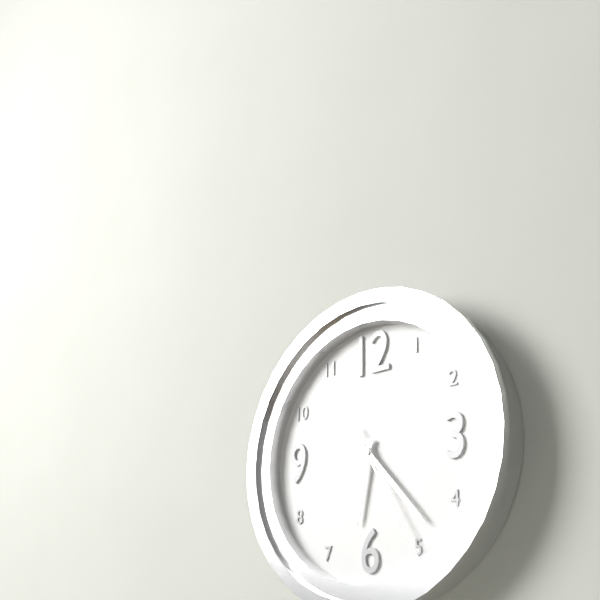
6 h 23 min 25 s
